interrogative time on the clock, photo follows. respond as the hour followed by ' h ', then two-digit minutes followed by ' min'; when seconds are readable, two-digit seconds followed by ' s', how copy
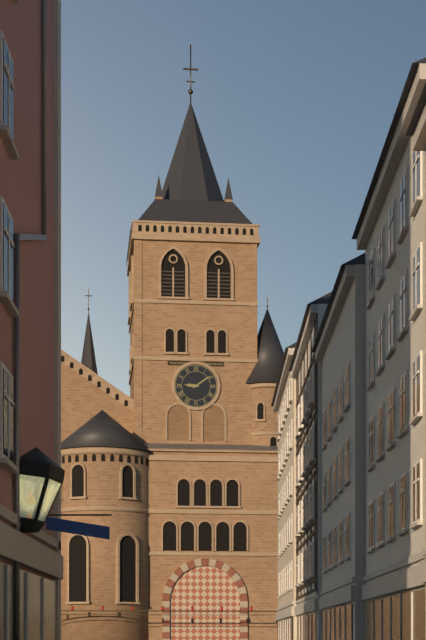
9 h 09 min
